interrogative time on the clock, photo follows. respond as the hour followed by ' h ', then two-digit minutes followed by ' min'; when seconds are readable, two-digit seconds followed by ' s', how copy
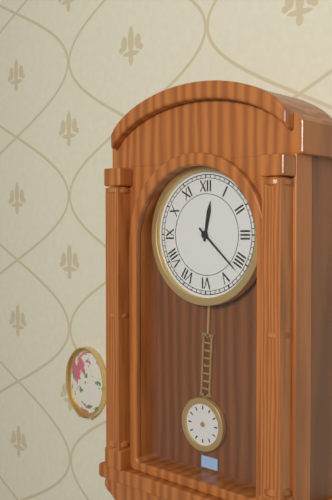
12 h 22 min
